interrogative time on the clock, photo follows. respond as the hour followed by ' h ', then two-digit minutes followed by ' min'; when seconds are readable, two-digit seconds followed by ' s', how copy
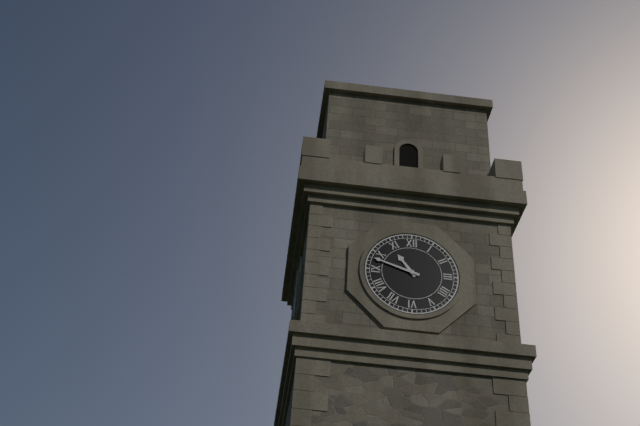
10 h 48 min
